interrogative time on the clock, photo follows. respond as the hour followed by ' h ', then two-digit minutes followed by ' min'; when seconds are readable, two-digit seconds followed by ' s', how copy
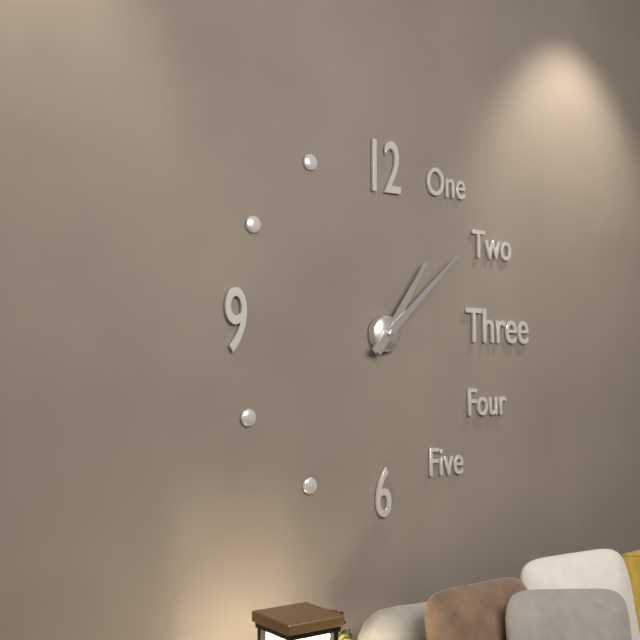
1 h 08 min
